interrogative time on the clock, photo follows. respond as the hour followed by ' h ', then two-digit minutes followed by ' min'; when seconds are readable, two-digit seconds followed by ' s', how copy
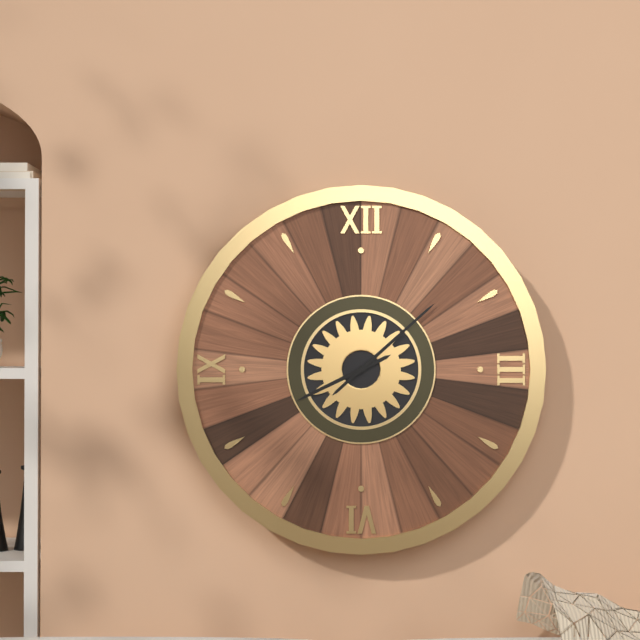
8 h 08 min
